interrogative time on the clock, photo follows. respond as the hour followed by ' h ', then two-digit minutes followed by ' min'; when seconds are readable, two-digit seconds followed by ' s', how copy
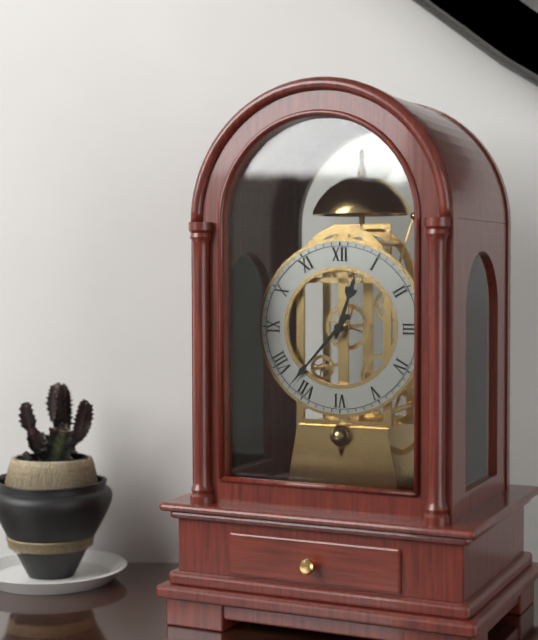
12 h 37 min
